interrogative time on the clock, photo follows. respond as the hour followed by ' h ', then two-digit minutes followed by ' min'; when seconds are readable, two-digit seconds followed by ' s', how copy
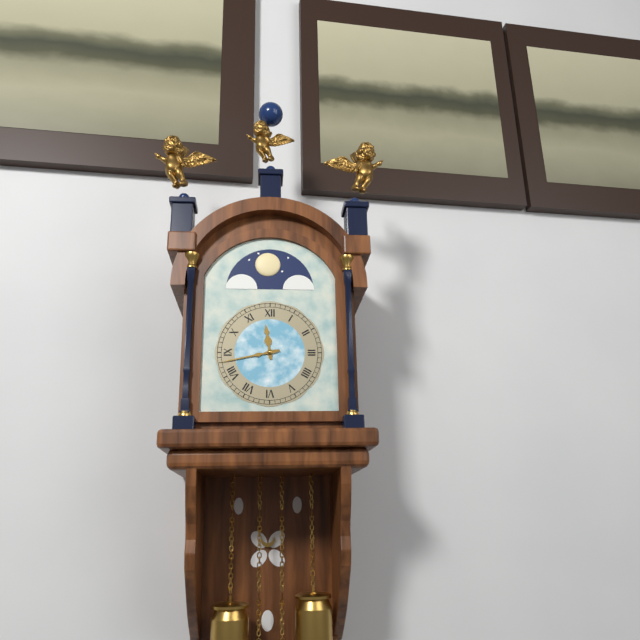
11 h 43 min
